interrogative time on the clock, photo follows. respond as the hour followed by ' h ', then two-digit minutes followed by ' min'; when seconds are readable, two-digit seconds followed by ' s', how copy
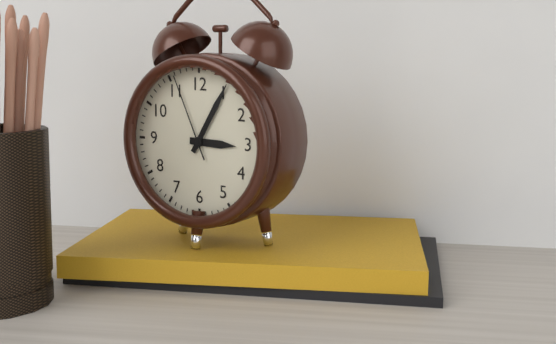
3 h 05 min 56 s
